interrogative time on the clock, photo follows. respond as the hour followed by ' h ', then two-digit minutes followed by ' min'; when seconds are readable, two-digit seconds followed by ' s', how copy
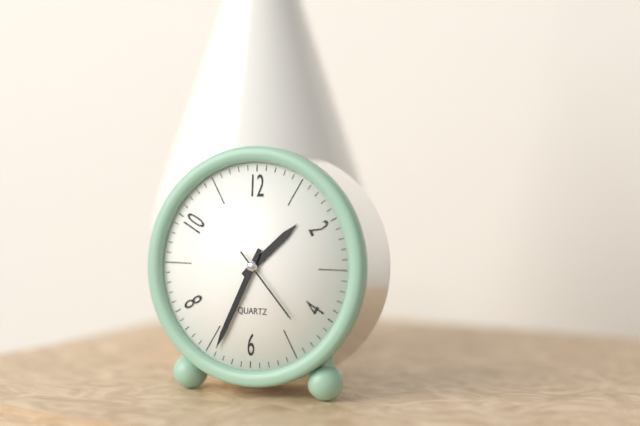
1 h 34 min 23 s
